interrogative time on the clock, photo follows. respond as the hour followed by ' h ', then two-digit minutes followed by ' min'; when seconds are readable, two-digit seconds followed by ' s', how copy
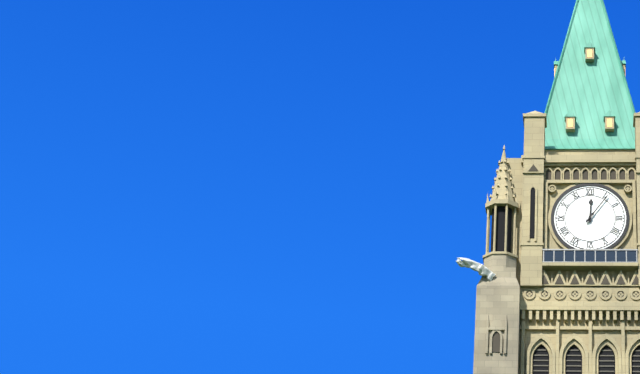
12 h 06 min
